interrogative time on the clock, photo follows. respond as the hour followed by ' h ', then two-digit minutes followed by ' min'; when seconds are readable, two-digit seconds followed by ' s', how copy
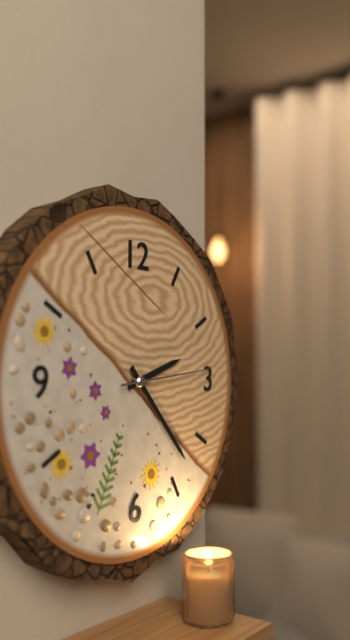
2 h 23 min 14 s
